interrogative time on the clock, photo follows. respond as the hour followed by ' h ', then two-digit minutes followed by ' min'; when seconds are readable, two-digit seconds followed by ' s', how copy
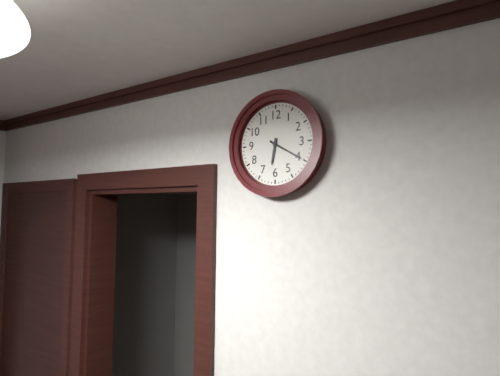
6 h 20 min
